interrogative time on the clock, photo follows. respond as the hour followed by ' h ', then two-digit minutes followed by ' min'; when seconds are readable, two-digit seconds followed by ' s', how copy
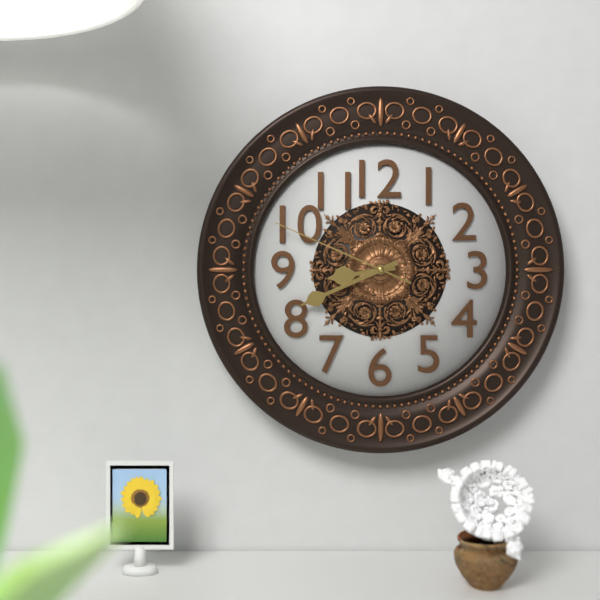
8 h 41 min 49 s
